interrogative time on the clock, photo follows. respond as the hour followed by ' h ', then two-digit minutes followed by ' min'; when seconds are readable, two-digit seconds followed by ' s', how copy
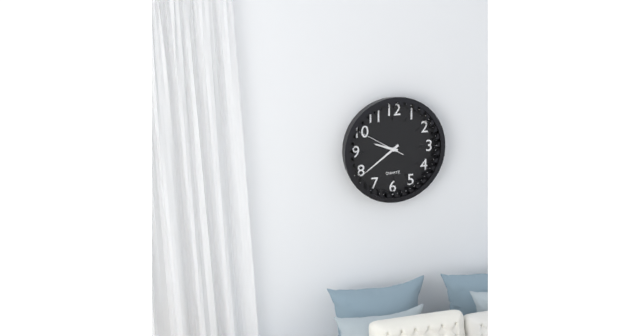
9 h 39 min 50 s
